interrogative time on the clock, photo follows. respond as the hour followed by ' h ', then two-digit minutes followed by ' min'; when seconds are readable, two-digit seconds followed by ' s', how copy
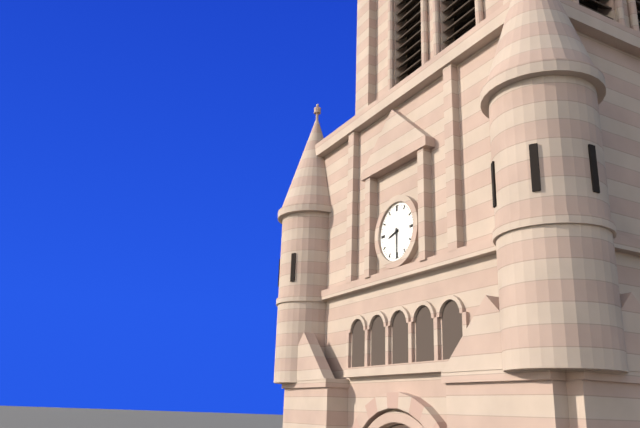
8 h 30 min
